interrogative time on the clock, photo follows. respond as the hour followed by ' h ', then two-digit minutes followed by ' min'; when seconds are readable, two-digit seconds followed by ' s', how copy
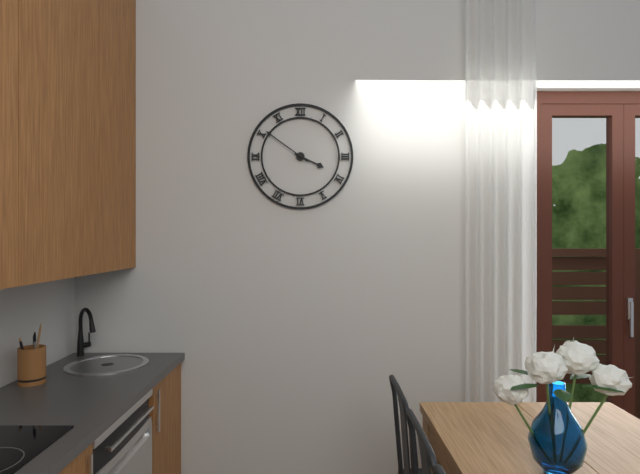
3 h 51 min
